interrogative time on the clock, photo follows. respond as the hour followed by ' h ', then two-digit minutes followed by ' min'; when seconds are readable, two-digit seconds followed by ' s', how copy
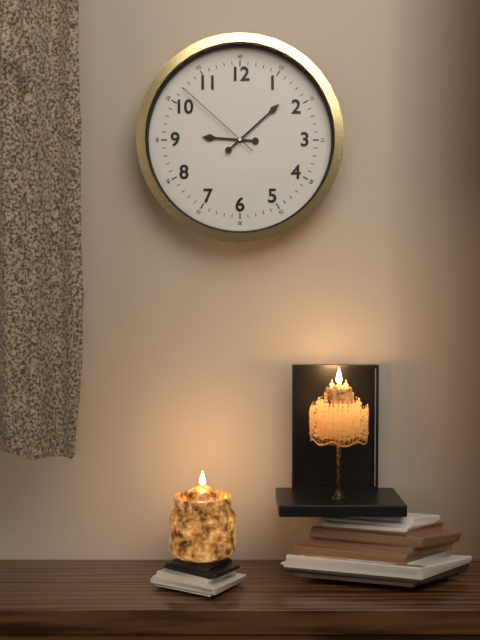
9 h 08 min 52 s
